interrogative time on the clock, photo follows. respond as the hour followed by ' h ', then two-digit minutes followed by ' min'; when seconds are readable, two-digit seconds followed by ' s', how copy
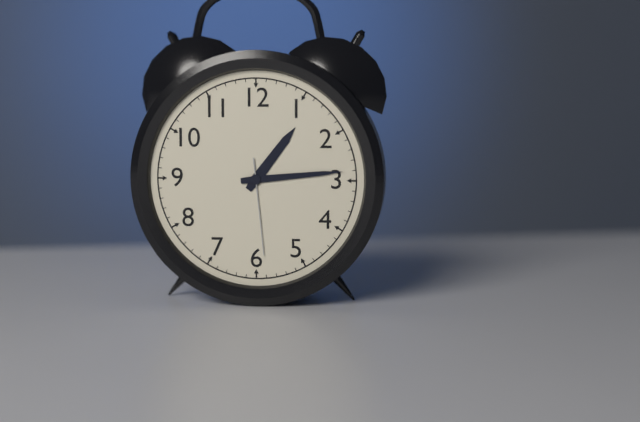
1 h 14 min 29 s
